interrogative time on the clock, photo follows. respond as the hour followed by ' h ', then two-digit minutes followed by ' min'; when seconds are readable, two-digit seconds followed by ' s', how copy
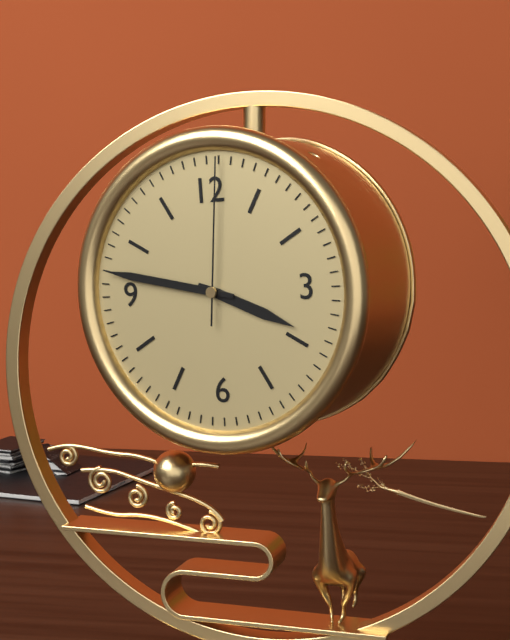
3 h 47 min 01 s
